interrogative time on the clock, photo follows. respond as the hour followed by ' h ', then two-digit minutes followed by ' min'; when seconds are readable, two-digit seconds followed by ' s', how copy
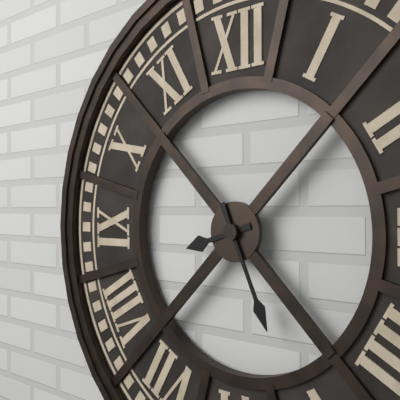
8 h 26 min
